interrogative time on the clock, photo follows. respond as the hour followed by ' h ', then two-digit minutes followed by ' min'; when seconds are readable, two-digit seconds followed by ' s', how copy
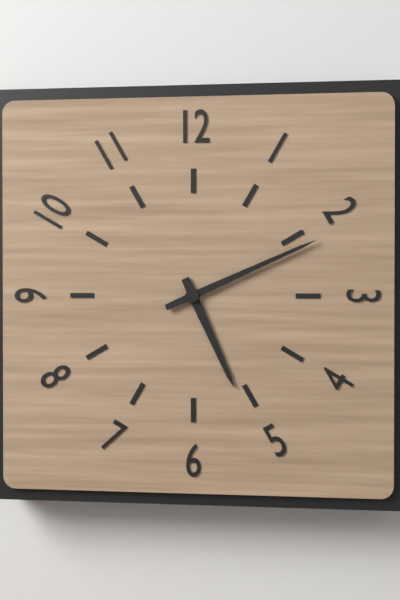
5 h 11 min
